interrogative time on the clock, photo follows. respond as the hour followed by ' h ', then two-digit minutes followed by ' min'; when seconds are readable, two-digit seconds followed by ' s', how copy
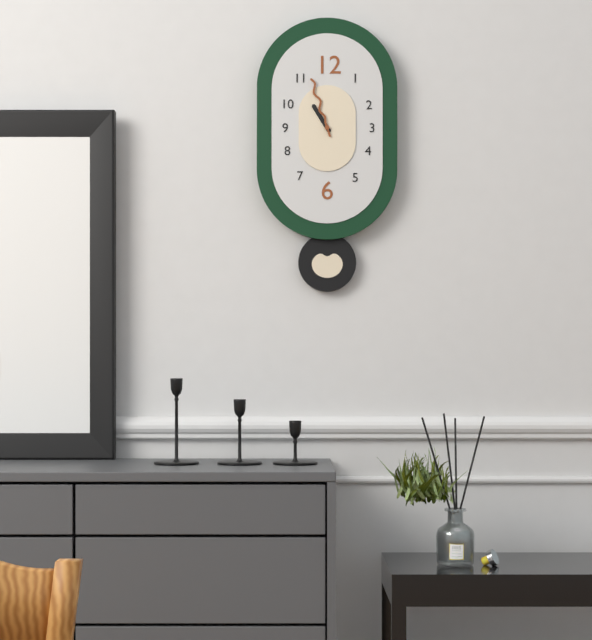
10 h 57 min
